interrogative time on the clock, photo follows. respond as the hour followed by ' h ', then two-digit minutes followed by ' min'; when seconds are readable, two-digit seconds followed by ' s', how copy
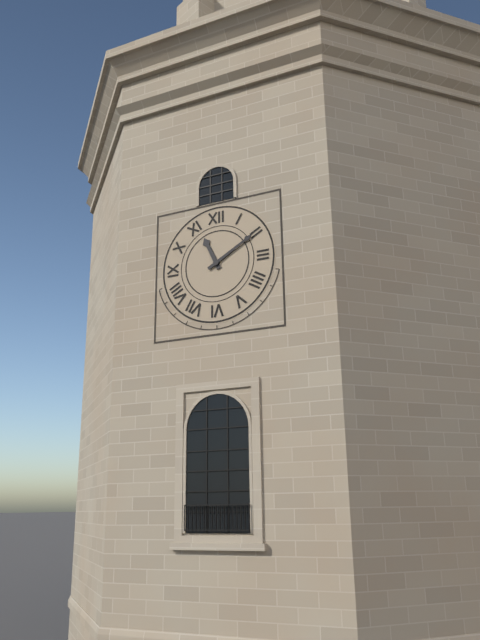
11 h 10 min
